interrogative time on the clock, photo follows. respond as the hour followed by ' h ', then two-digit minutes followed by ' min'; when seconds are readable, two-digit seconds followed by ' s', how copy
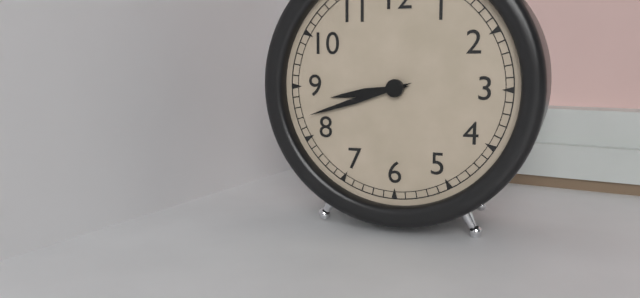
8 h 42 min
